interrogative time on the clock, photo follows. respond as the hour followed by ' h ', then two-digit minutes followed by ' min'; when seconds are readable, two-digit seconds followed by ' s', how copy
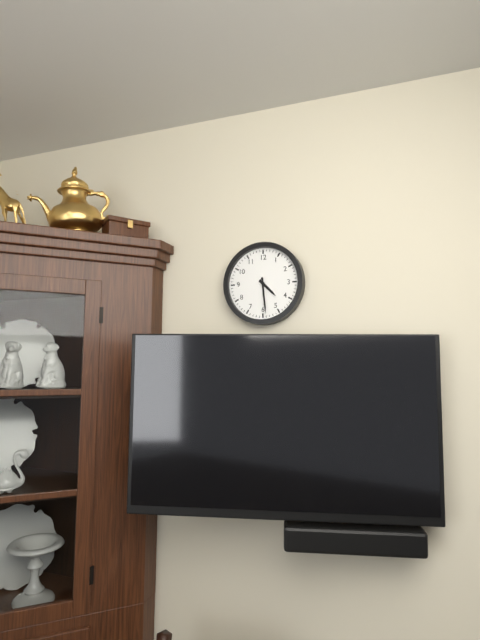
4 h 29 min
